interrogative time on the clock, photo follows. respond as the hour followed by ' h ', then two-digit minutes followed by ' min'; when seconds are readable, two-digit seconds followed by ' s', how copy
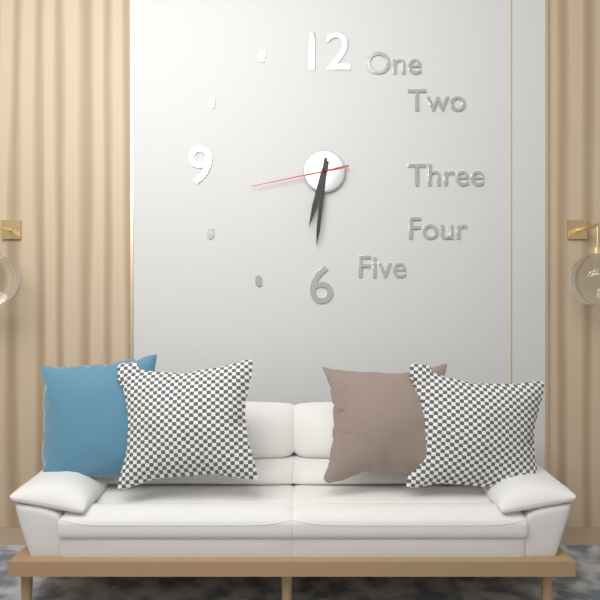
6 h 31 min 43 s
